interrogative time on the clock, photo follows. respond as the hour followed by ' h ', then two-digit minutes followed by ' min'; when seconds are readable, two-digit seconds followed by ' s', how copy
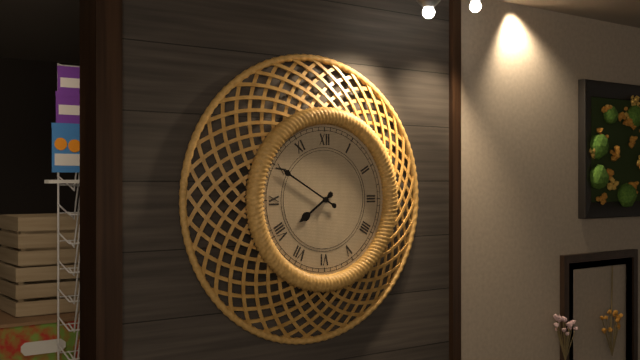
7 h 50 min
